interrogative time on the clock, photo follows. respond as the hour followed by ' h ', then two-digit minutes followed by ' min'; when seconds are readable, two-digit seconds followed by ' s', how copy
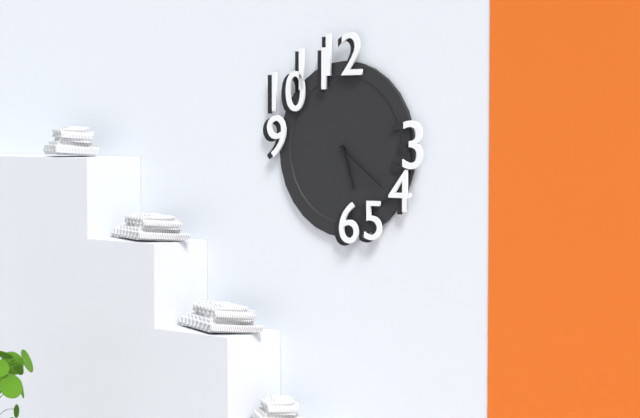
5 h 21 min
